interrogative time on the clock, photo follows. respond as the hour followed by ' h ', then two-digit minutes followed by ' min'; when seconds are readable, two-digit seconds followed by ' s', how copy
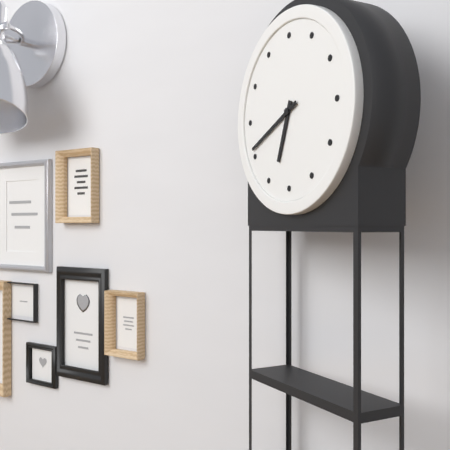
6 h 41 min
